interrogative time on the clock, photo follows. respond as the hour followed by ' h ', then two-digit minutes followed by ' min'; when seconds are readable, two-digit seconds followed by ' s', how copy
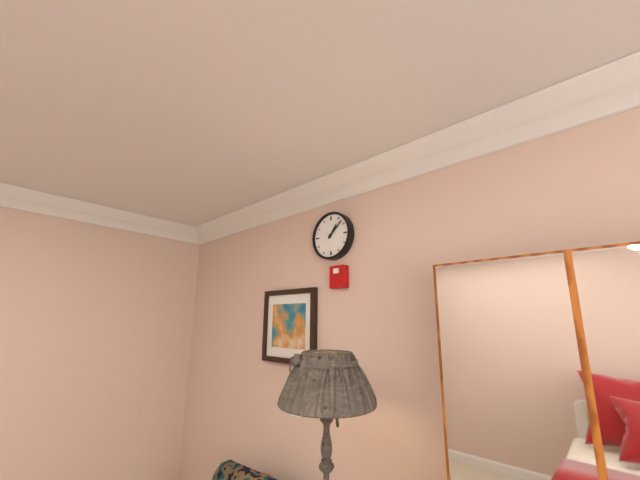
1 h 08 min
